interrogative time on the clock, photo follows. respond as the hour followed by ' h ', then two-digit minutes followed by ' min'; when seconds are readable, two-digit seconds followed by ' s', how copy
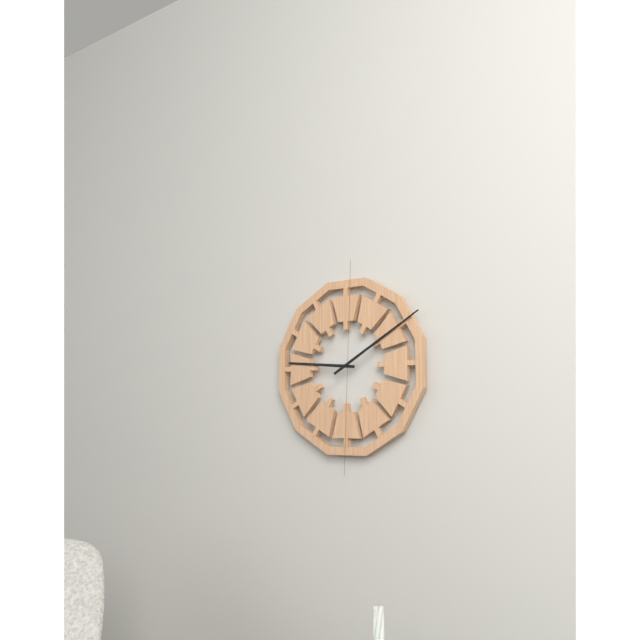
9 h 10 min
